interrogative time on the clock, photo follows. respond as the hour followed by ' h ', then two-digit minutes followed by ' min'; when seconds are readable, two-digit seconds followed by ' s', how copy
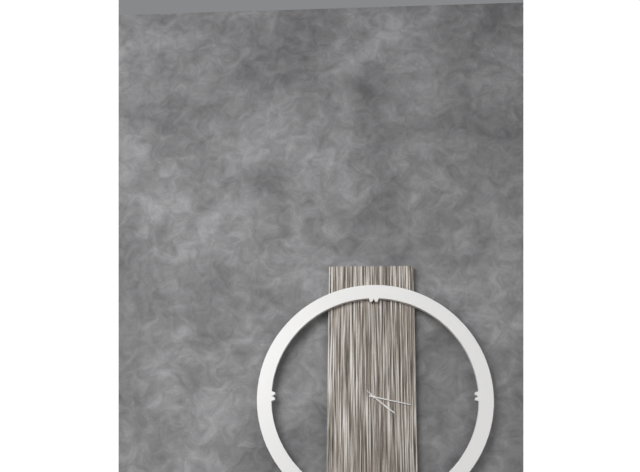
4 h 17 min
